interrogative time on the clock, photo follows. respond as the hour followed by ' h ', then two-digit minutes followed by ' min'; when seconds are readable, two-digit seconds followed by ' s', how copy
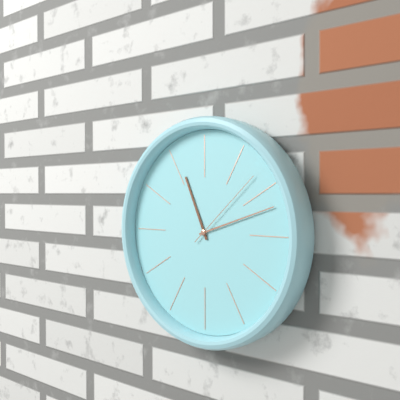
11 h 12 min 08 s
